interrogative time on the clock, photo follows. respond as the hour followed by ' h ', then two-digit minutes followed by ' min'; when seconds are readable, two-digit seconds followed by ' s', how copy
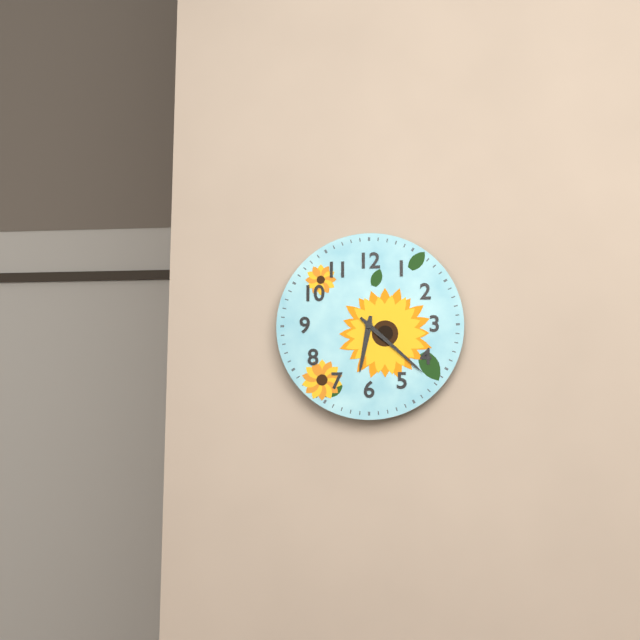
6 h 22 min
